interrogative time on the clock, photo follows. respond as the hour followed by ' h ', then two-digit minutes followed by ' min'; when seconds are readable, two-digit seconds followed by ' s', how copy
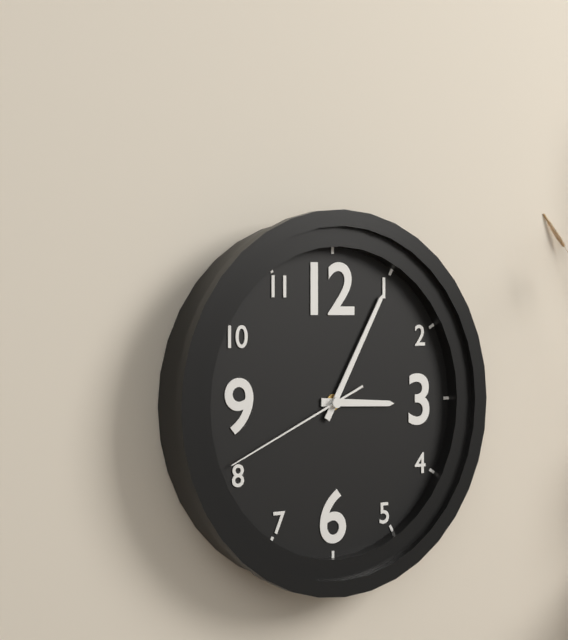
3 h 05 min 41 s
